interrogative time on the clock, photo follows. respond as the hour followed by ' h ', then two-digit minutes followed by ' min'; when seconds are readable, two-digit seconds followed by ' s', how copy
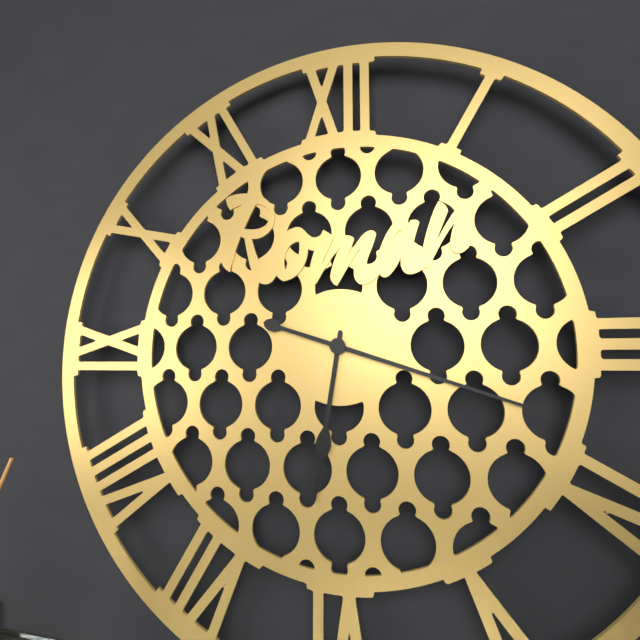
6 h 18 min
